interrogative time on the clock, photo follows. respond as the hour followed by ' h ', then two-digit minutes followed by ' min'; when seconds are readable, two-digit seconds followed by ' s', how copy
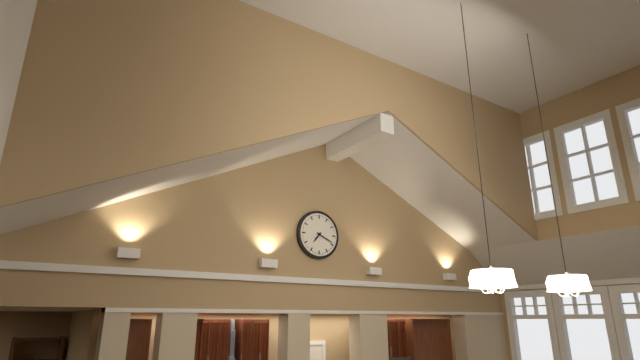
7 h 19 min
